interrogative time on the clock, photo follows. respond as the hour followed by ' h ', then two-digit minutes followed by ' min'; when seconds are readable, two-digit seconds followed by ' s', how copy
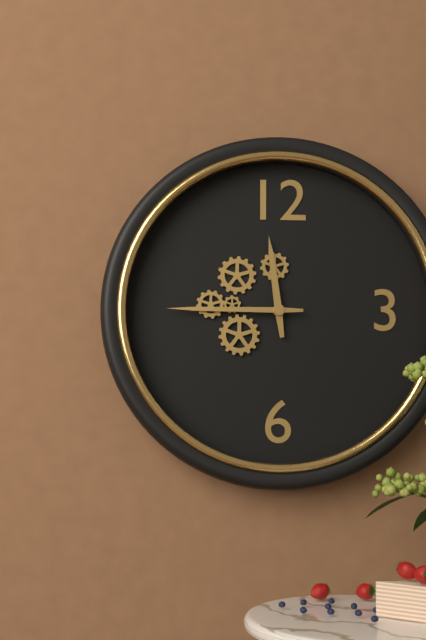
11 h 45 min
